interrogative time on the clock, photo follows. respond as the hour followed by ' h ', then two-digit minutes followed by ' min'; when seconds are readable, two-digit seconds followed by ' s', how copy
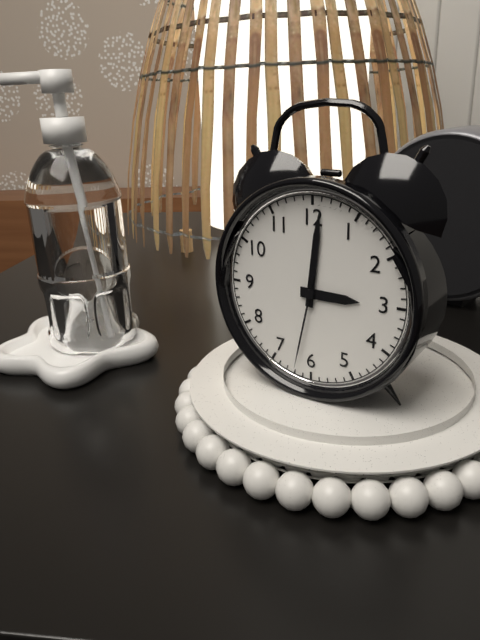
3 h 01 min 32 s
